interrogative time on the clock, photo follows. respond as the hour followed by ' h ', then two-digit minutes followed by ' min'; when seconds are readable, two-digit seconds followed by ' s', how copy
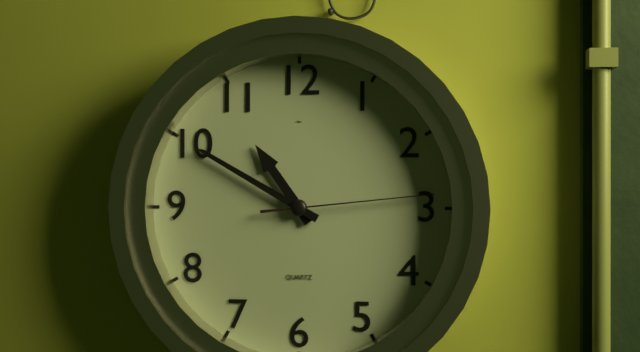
10 h 50 min 14 s
